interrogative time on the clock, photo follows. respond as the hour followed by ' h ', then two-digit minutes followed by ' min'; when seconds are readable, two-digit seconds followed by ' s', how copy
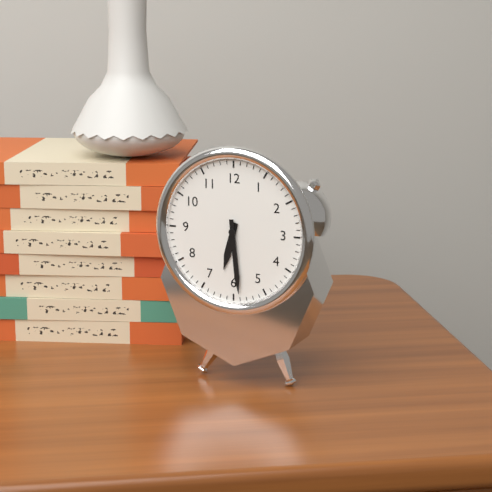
6 h 29 min
